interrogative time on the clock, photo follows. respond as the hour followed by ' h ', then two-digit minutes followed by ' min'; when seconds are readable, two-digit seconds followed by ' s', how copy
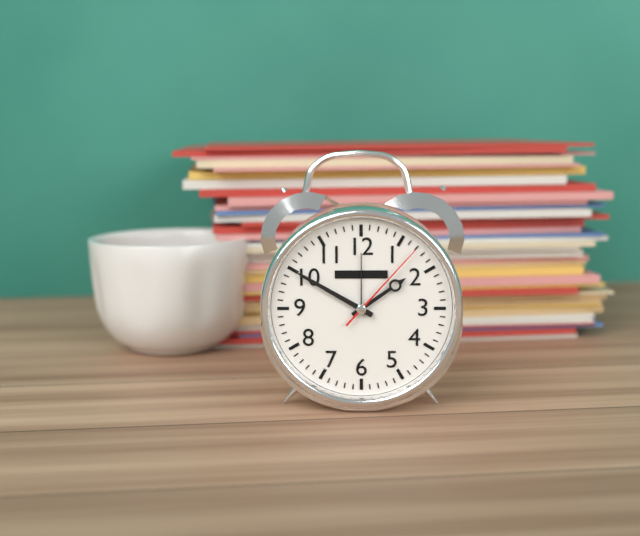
1 h 50 min 07 s
